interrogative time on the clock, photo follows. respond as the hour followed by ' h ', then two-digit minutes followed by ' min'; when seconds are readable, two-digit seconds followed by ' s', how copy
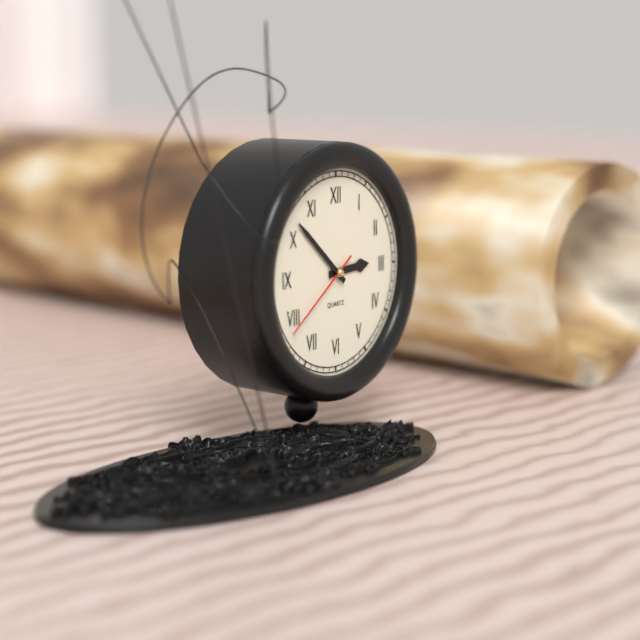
2 h 52 min 39 s
